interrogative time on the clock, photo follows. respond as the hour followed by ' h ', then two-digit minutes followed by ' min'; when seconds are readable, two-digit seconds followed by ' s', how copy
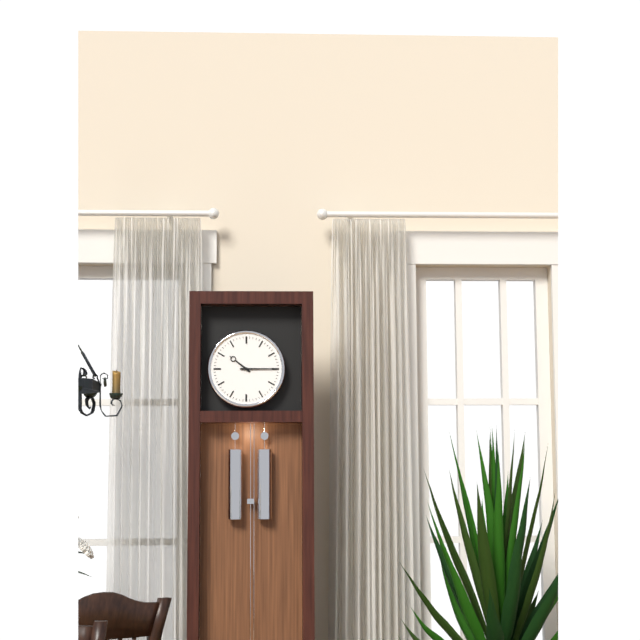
10 h 15 min
